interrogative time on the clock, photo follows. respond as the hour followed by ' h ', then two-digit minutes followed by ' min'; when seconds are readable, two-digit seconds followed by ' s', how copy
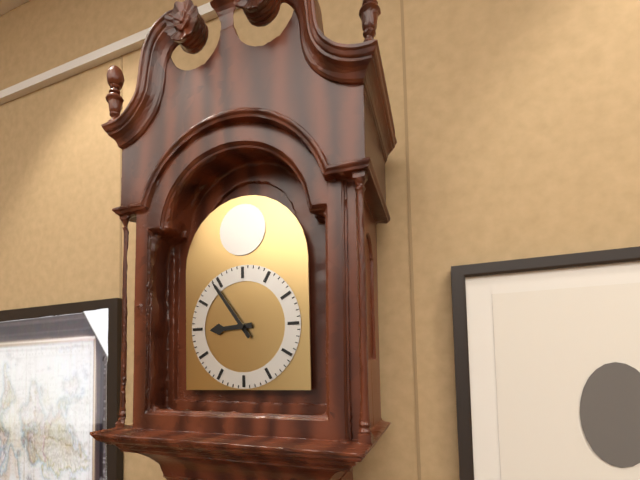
8 h 54 min
